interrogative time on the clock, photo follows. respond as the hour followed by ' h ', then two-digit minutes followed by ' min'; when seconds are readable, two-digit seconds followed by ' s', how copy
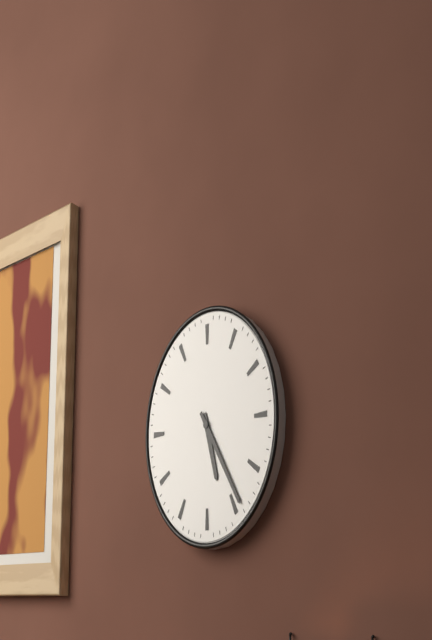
5 h 24 min
